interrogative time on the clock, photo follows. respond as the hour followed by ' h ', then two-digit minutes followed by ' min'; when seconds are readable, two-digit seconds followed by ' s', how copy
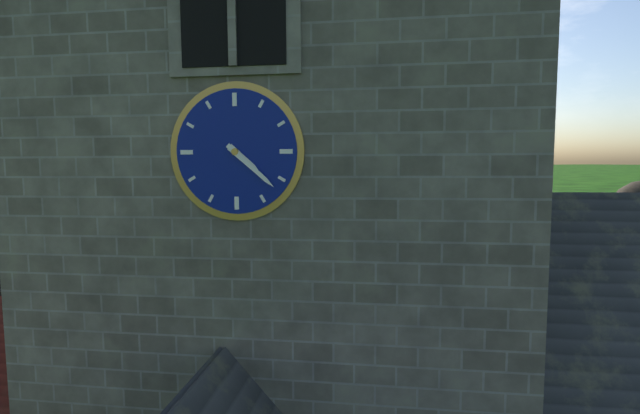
4 h 22 min
